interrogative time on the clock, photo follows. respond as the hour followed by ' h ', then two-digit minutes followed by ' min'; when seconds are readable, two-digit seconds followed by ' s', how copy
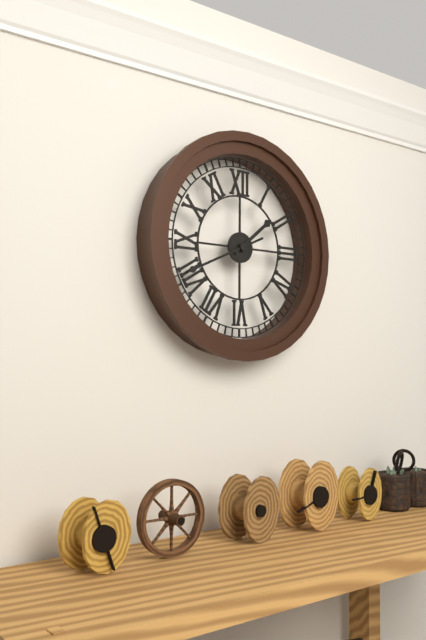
1 h 41 min
